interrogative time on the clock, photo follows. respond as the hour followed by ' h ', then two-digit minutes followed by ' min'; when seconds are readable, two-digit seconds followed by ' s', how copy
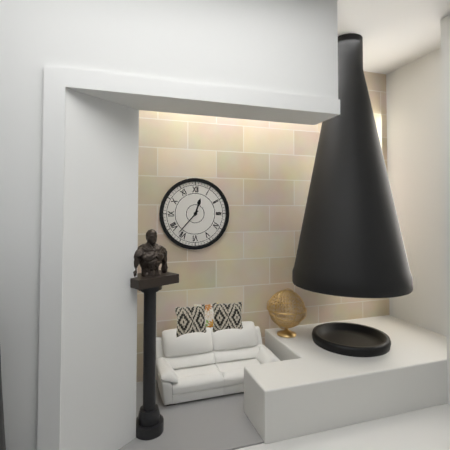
12 h 37 min
